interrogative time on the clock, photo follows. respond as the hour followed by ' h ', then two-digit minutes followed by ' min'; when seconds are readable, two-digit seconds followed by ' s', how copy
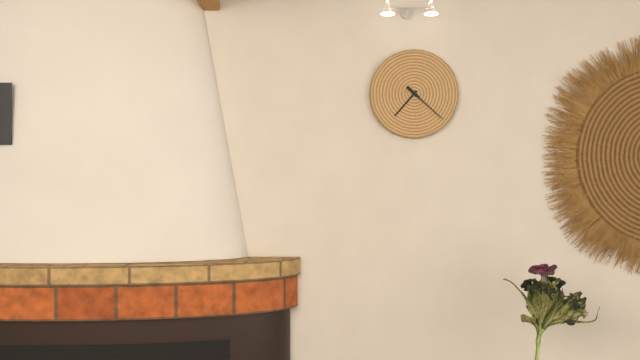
7 h 22 min
